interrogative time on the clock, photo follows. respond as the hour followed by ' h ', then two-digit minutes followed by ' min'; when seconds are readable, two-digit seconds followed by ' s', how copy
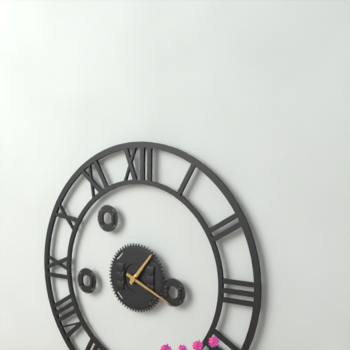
1 h 19 min
